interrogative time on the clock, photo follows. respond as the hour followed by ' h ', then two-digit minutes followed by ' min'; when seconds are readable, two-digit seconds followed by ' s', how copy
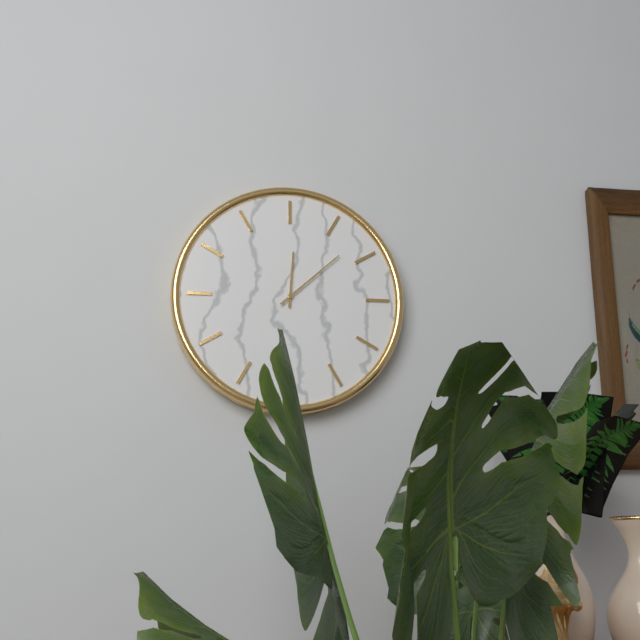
12 h 08 min
